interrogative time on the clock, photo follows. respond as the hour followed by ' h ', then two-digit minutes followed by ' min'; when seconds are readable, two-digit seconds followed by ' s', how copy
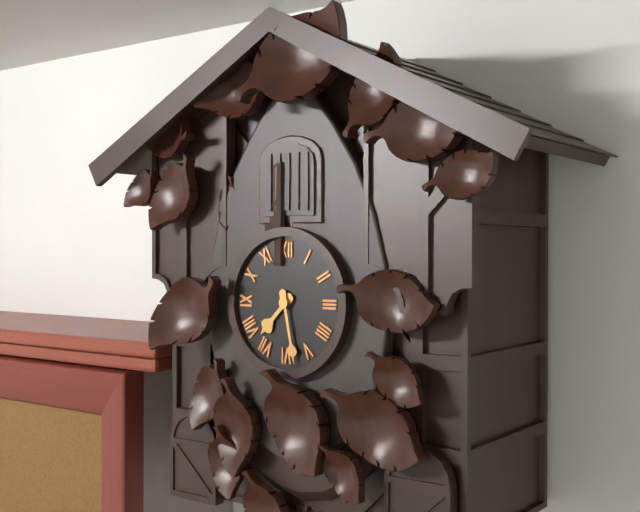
7 h 28 min
